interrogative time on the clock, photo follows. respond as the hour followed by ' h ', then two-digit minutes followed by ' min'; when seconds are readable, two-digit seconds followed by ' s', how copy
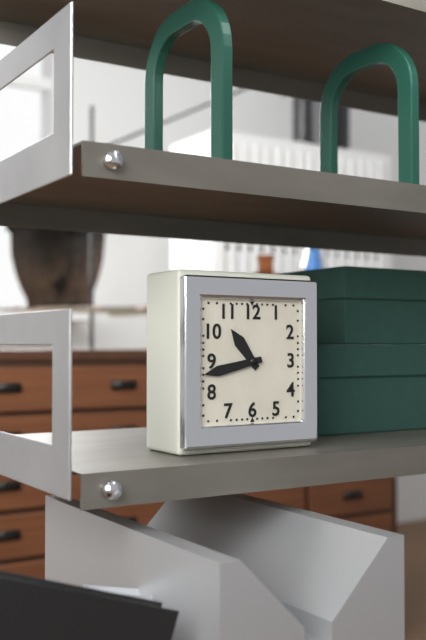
10 h 43 min
